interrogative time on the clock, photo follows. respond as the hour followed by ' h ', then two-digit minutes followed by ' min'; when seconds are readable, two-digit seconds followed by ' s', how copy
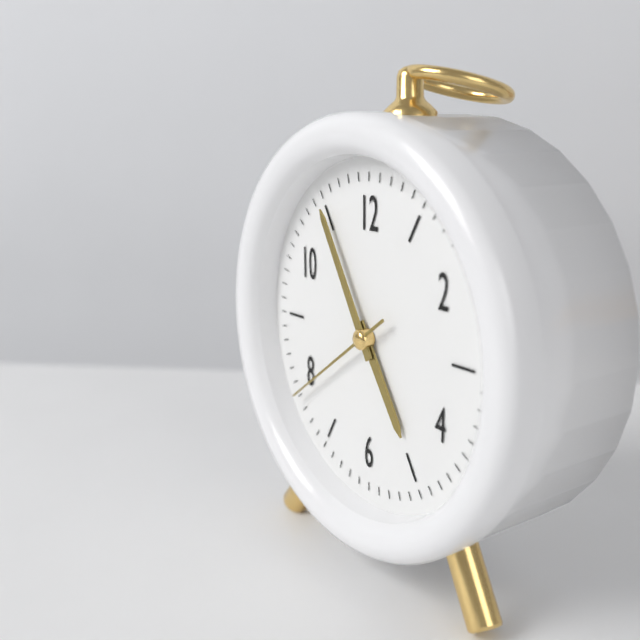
4 h 55 min 39 s
